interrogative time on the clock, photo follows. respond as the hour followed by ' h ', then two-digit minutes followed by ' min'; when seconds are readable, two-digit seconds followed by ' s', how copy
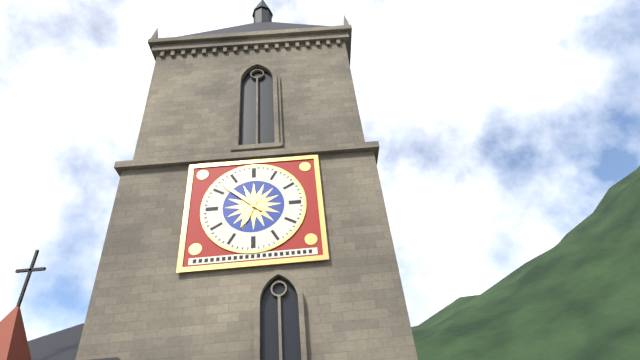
6 h 52 min
